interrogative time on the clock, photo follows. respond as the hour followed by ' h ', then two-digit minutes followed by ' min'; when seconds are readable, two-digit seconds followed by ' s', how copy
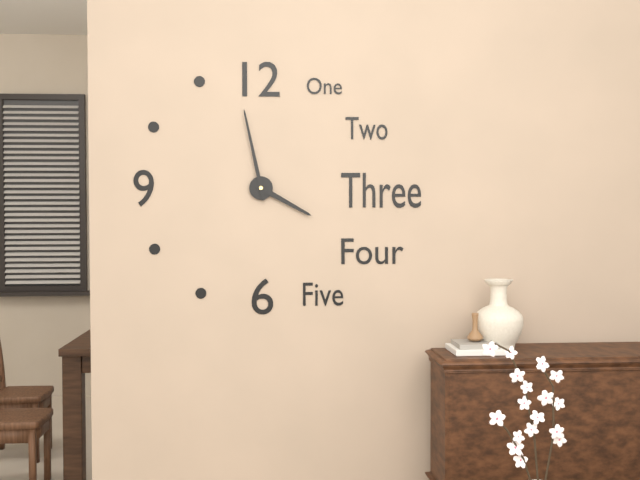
3 h 58 min
